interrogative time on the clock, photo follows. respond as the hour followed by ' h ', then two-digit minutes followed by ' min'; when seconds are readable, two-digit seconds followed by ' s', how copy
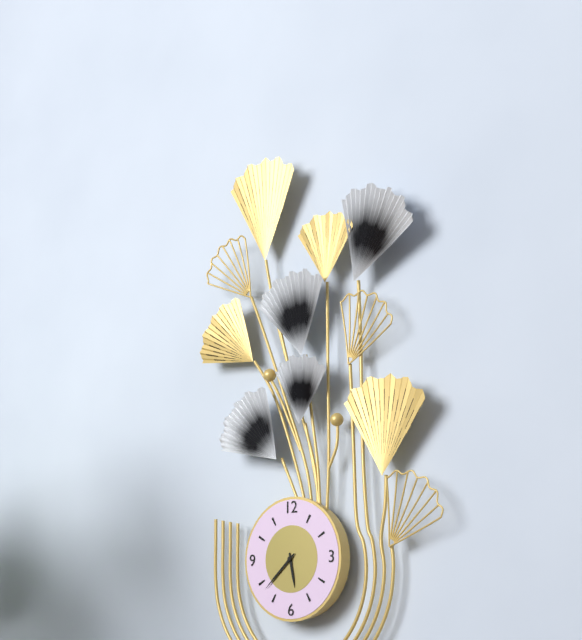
5 h 38 min
